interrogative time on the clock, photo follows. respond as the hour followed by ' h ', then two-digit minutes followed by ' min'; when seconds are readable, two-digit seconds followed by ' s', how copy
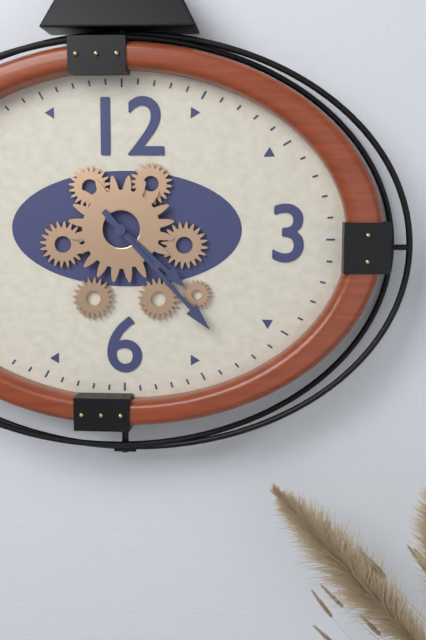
4 h 23 min
